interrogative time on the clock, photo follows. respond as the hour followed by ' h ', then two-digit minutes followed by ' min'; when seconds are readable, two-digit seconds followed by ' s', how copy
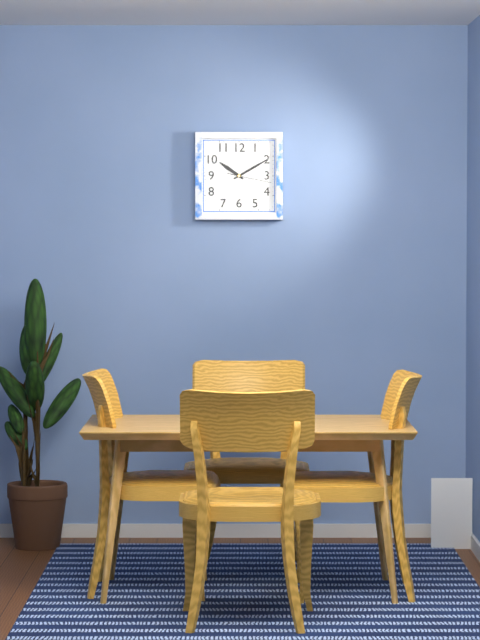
10 h 10 min
